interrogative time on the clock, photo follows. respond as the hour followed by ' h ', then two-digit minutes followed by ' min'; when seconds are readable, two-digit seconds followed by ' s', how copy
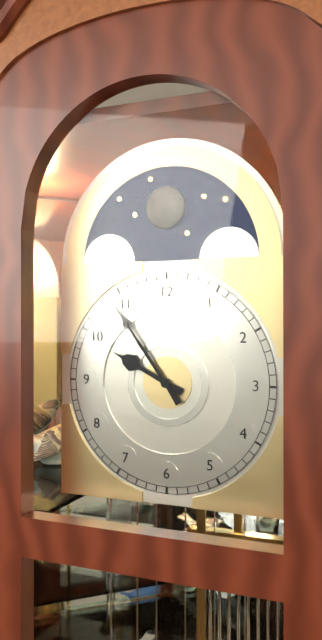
9 h 54 min
